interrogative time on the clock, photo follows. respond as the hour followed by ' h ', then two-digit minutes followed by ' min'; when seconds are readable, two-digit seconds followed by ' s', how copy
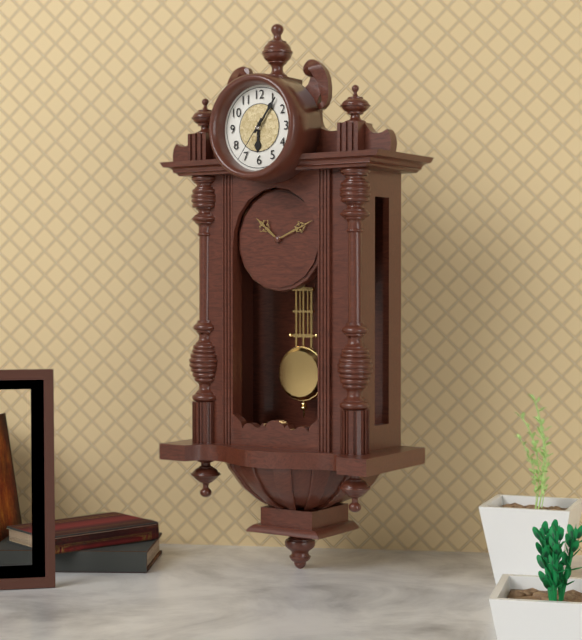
6 h 06 min
